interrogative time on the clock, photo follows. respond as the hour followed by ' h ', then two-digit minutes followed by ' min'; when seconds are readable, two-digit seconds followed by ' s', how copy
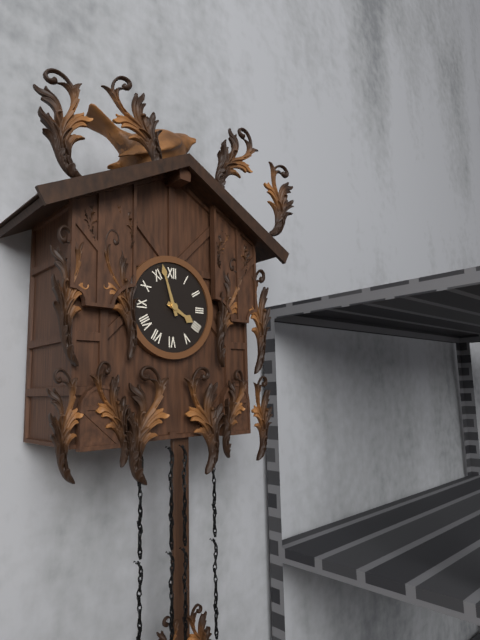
3 h 57 min
